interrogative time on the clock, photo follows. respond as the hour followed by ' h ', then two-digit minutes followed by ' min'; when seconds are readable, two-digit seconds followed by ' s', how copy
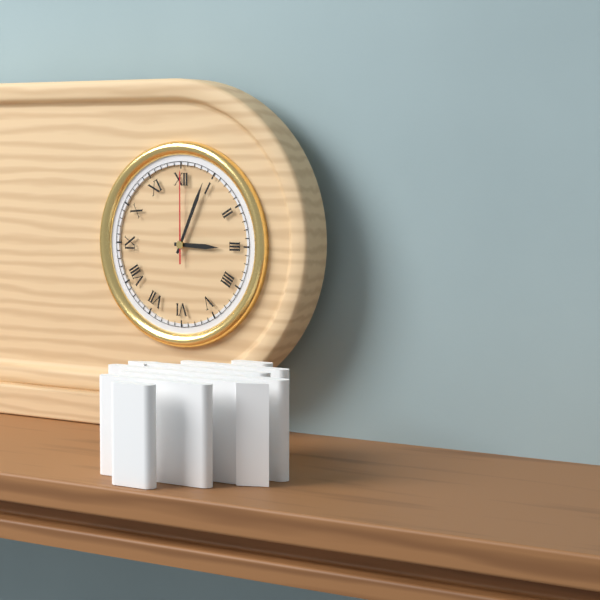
3 h 04 min 00 s
